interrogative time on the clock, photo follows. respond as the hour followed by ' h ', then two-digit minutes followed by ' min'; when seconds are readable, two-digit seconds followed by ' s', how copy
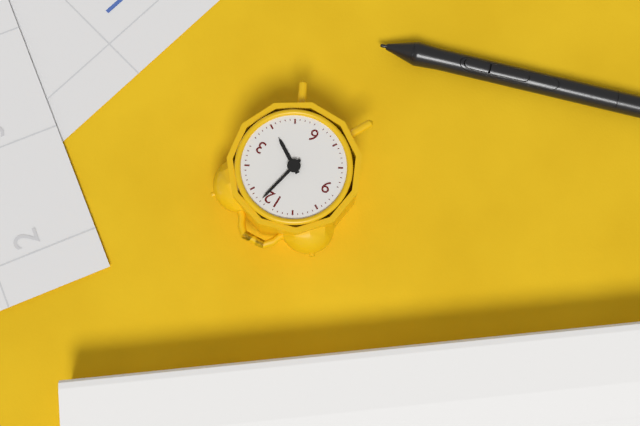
4 h 02 min
